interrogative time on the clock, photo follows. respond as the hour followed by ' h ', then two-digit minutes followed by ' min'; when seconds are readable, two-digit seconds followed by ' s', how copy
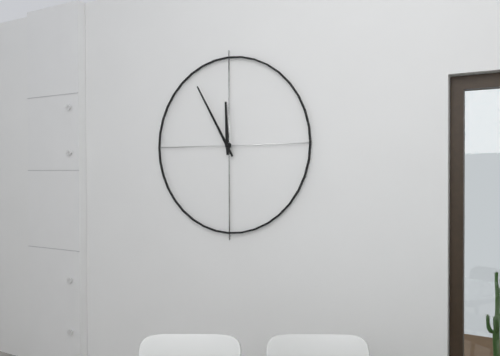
11 h 55 min
